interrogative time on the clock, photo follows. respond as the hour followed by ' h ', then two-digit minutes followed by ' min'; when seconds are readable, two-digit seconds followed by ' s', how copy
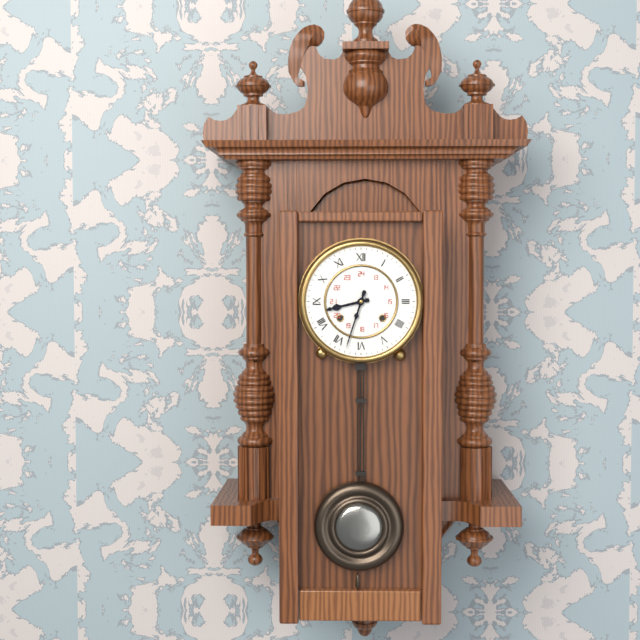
8 h 33 min
